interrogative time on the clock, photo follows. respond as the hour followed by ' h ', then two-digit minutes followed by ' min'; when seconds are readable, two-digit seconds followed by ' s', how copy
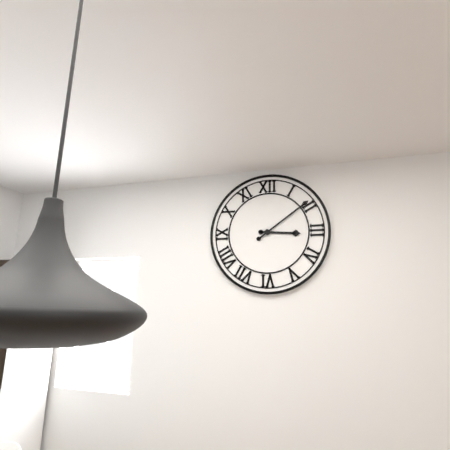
3 h 09 min
